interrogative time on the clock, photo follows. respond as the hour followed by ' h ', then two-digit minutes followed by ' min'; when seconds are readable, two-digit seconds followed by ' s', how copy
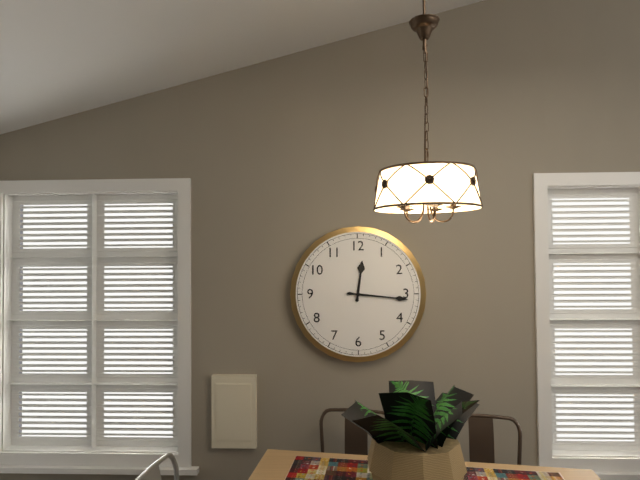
12 h 16 min
